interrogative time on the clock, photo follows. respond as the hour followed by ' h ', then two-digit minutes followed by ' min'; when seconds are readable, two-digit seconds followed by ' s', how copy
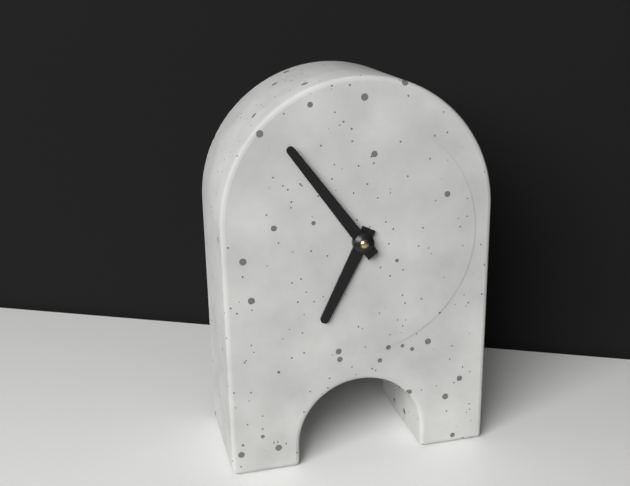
6 h 54 min
